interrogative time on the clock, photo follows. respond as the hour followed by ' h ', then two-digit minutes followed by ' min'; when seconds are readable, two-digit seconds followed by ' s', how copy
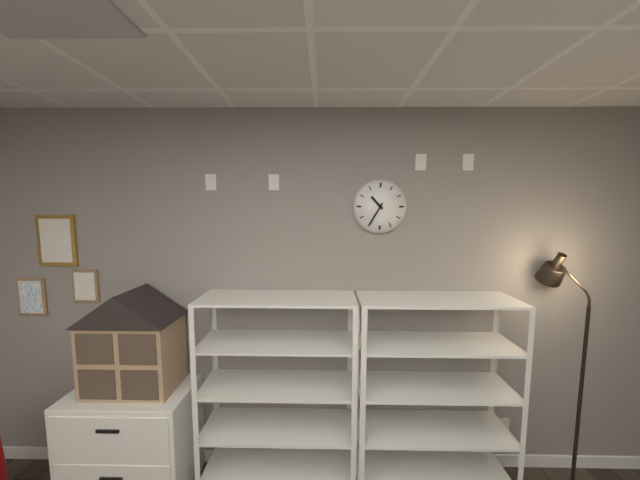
10 h 35 min
